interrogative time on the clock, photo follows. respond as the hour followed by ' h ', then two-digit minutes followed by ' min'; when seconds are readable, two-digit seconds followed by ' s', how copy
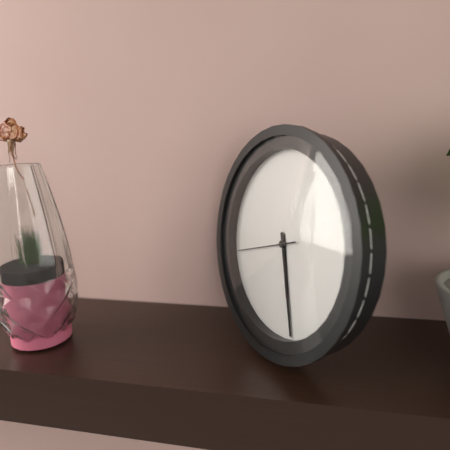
5 h 27 min 42 s
